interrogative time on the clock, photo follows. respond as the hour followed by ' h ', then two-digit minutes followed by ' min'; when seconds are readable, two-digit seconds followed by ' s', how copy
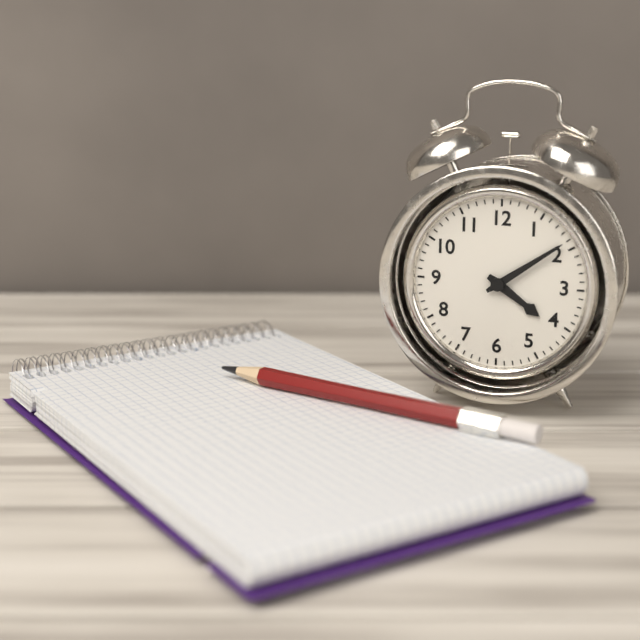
4 h 09 min
